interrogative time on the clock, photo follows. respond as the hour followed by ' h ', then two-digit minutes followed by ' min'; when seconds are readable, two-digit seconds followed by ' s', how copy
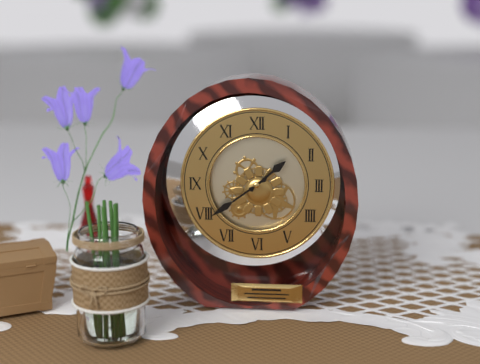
1 h 39 min
